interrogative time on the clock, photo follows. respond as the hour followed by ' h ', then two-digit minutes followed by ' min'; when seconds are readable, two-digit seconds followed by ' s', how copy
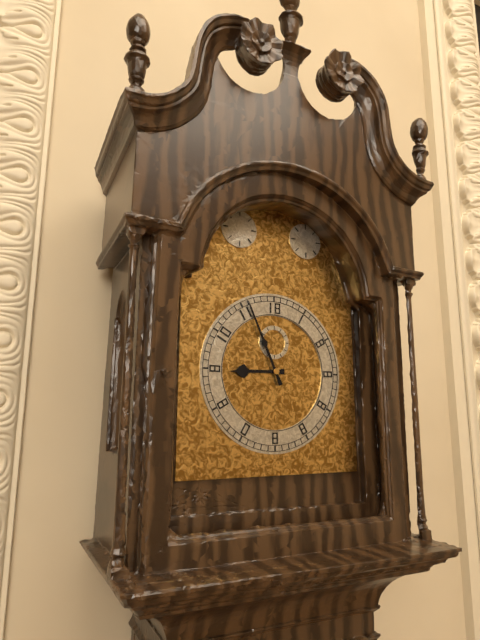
8 h 56 min
